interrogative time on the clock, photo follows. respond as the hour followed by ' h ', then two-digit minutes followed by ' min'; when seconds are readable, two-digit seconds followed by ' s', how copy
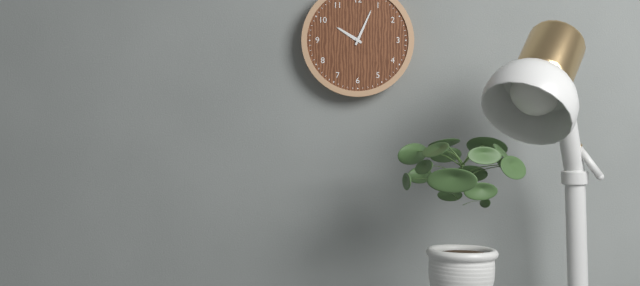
10 h 04 min
